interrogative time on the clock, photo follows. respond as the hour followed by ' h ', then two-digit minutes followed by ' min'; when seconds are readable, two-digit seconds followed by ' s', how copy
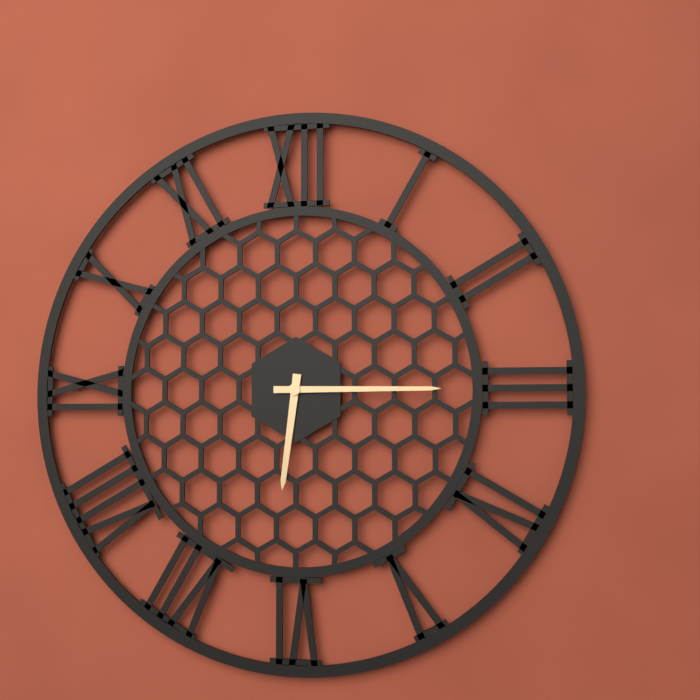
6 h 15 min
